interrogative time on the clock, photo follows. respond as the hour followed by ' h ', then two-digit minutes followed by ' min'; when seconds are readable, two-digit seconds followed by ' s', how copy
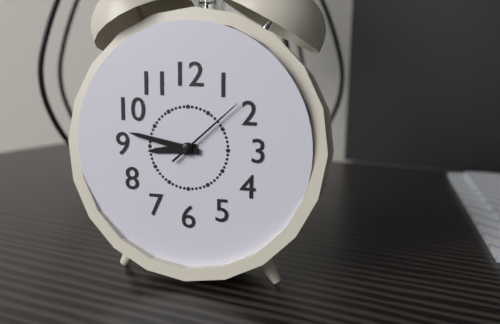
8 h 47 min 08 s
